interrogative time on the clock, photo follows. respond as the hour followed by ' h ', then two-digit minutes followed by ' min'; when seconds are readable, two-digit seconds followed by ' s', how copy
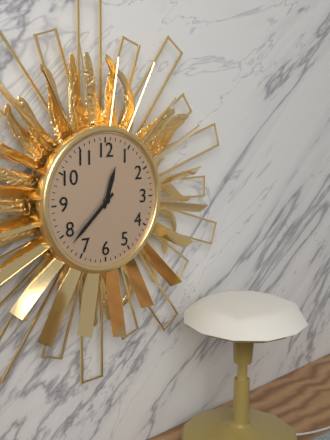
12 h 38 min
